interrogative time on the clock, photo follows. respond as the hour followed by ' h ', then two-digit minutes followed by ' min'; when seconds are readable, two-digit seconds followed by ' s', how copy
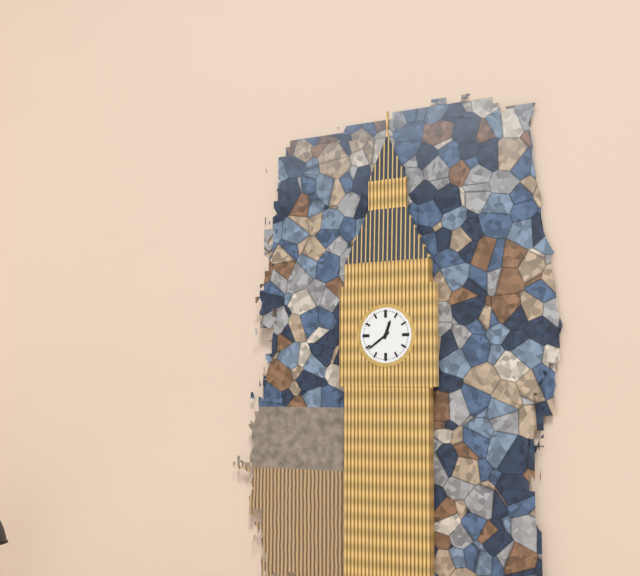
12 h 39 min
